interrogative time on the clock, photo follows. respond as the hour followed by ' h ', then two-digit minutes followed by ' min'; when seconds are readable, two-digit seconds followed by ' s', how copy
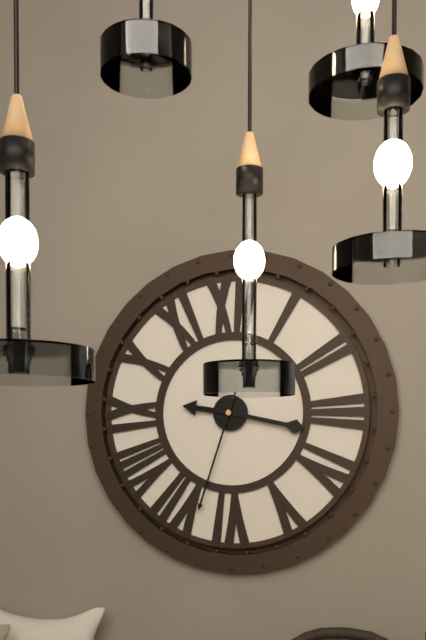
9 h 17 min 33 s
